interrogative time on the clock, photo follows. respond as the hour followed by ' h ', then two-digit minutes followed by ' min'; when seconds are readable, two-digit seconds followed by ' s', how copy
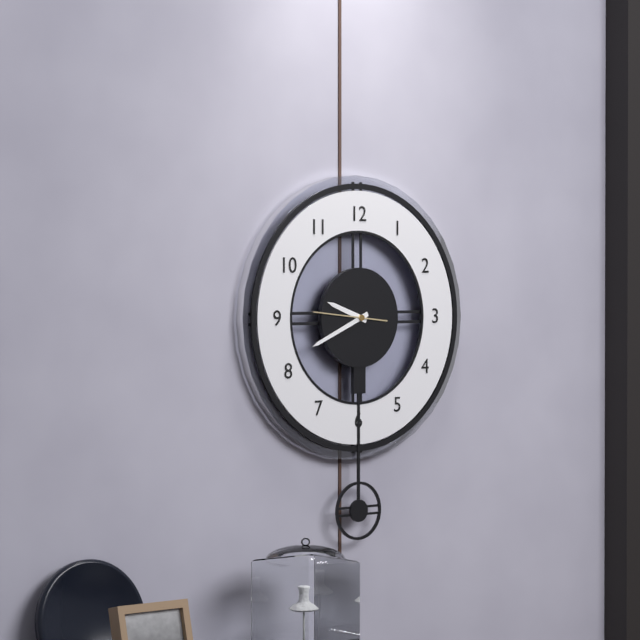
9 h 41 min
